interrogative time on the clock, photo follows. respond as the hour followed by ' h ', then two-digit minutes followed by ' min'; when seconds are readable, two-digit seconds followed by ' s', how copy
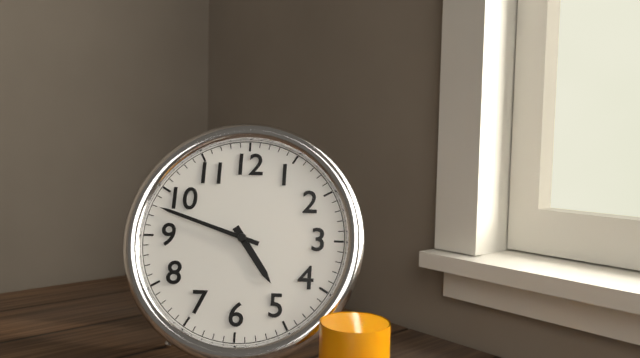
4 h 48 min
